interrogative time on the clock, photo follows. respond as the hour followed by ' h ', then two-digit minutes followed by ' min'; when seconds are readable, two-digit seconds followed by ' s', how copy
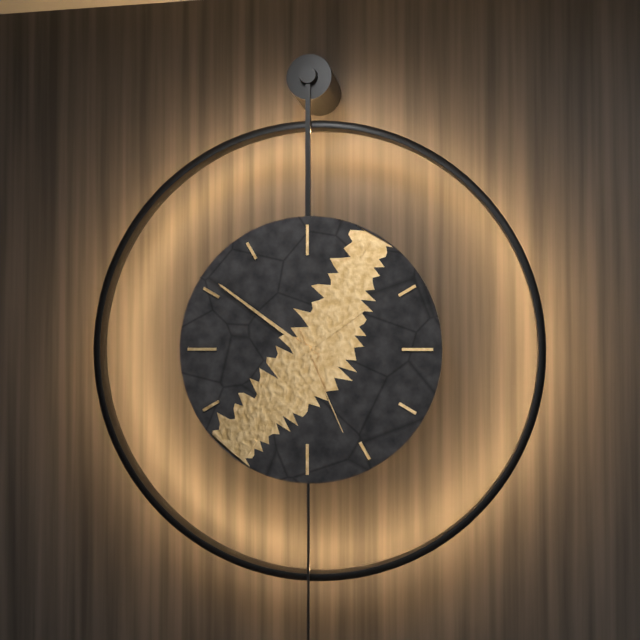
1 h 51 min 26 s
